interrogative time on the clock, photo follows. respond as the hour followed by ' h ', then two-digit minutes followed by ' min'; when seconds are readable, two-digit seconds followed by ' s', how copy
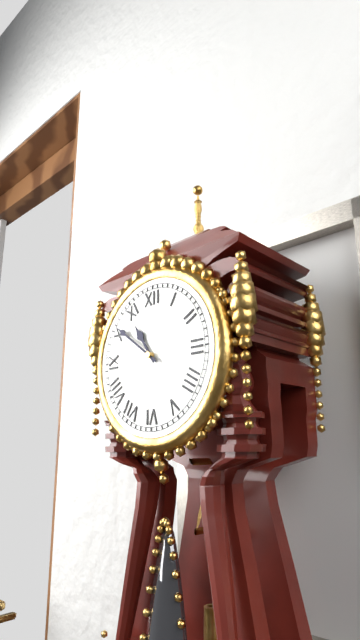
10 h 51 min
